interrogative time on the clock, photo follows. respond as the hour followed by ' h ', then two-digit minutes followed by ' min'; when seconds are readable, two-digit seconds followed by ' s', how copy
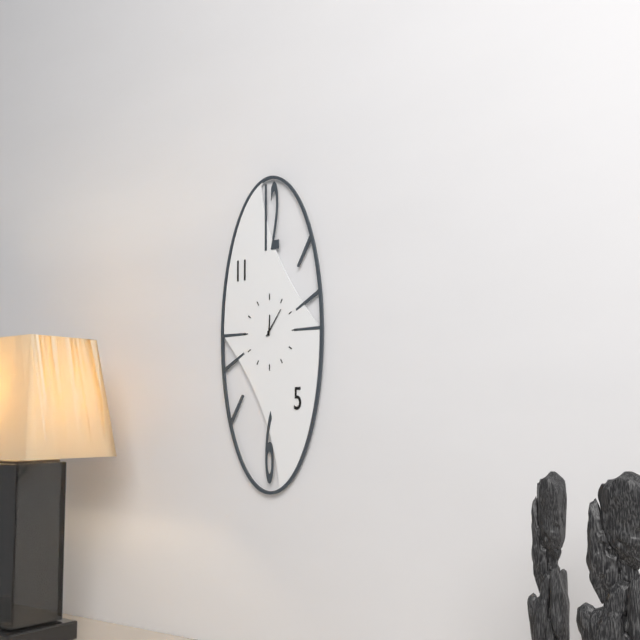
12 h 06 min
